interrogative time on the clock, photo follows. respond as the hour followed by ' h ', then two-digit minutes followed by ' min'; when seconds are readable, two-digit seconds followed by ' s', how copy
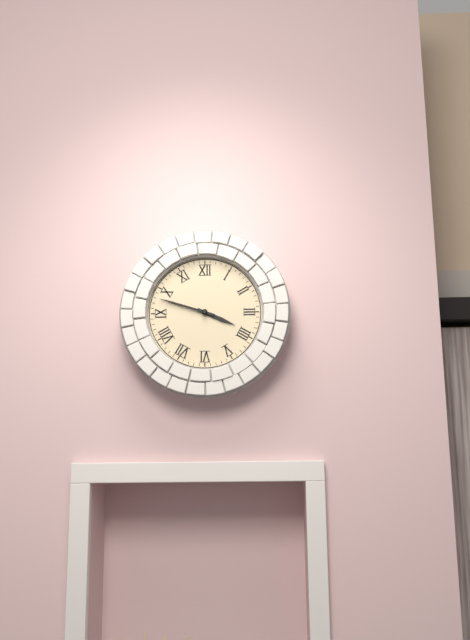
3 h 48 min
